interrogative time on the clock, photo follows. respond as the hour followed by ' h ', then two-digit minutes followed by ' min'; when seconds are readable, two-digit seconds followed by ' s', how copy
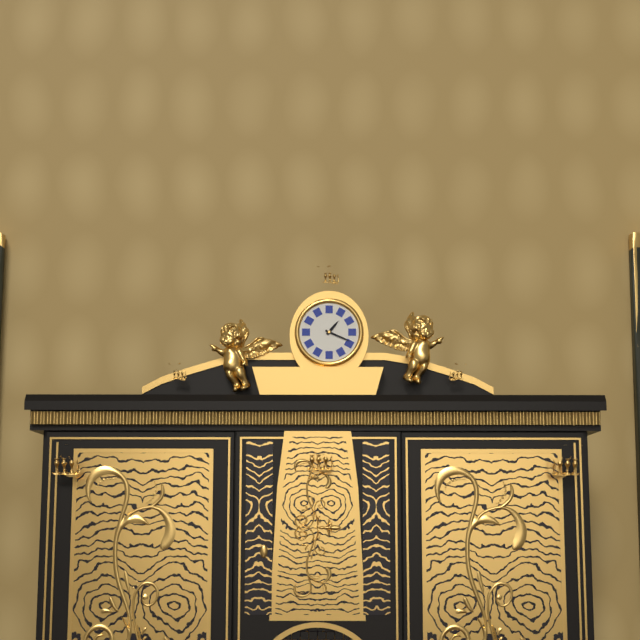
1 h 19 min
